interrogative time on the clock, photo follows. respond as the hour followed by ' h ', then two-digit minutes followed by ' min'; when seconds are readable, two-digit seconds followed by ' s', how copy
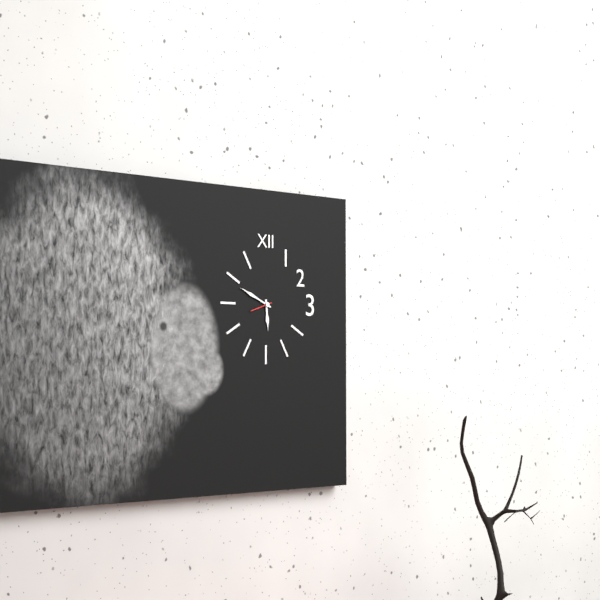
5 h 49 min
